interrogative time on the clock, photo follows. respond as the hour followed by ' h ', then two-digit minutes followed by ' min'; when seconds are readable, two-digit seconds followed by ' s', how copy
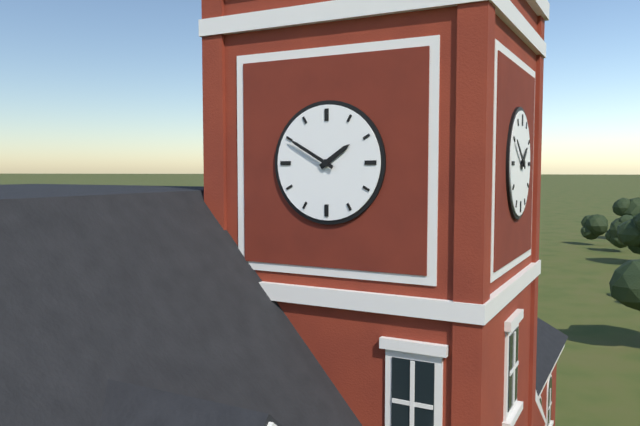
1 h 50 min
